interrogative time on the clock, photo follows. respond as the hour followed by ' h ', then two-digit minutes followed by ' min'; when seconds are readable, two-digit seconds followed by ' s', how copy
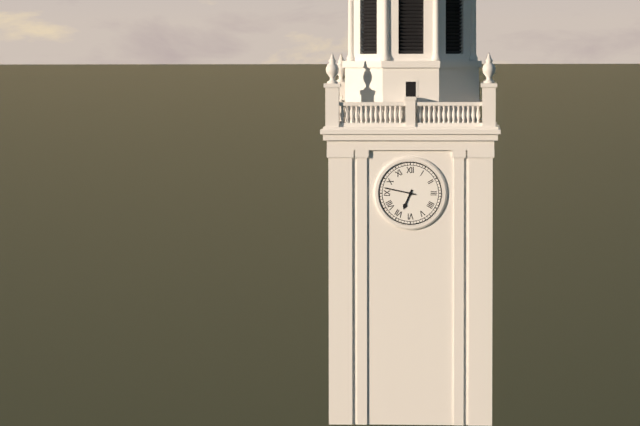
6 h 47 min
